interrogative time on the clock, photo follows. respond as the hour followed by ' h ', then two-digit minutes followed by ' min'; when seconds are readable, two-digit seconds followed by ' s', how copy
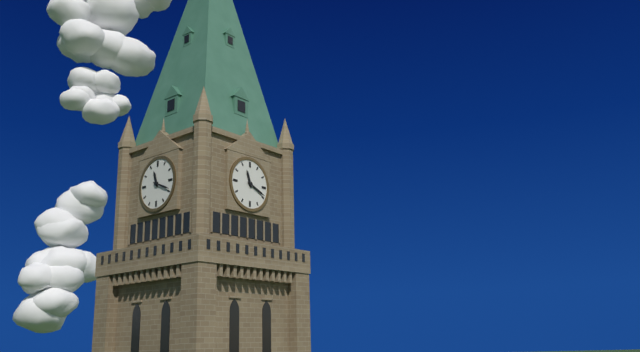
11 h 19 min
